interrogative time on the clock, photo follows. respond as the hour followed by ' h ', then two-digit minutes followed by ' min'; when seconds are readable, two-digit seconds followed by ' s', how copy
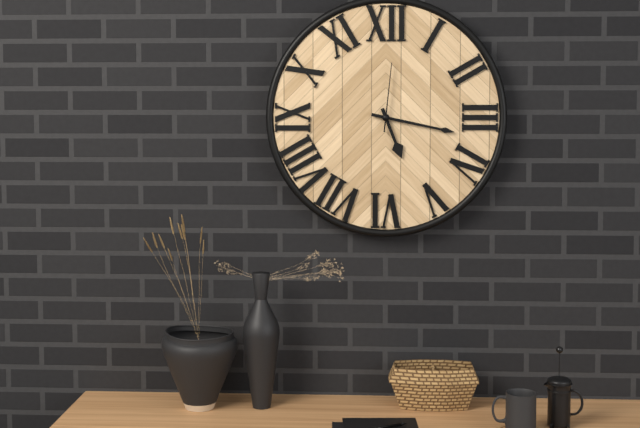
5 h 17 min 01 s
